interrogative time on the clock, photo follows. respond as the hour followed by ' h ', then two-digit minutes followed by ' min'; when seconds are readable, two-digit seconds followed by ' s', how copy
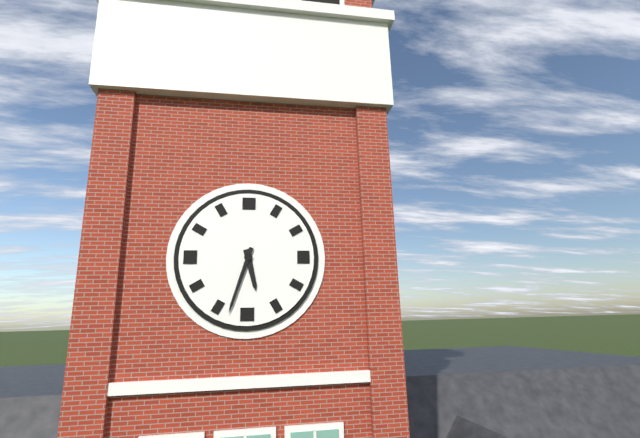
5 h 33 min
